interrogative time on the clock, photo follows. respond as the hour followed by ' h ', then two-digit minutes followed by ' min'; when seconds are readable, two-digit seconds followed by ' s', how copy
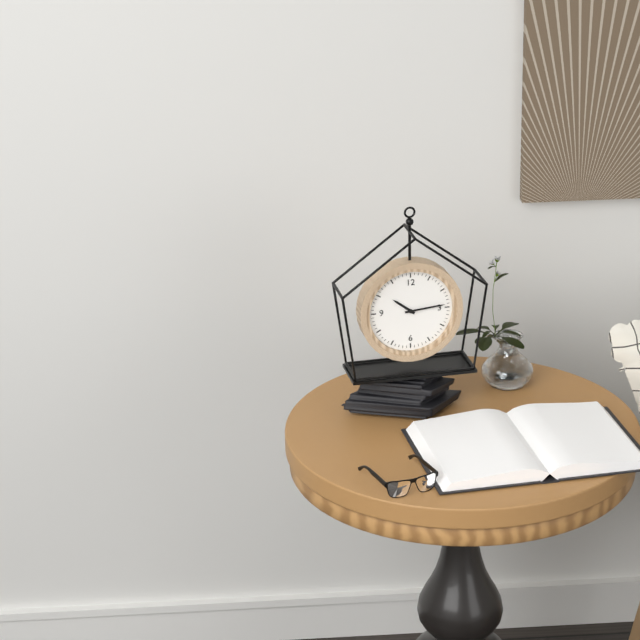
10 h 14 min
